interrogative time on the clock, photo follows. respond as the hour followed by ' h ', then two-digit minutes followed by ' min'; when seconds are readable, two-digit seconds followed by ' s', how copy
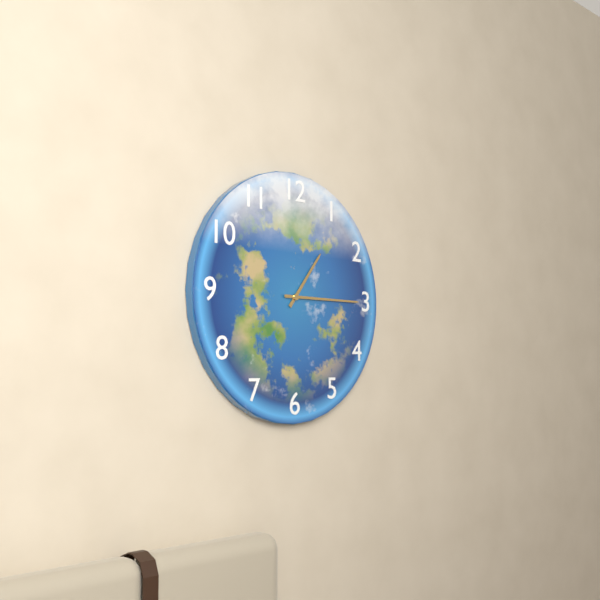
1 h 15 min
